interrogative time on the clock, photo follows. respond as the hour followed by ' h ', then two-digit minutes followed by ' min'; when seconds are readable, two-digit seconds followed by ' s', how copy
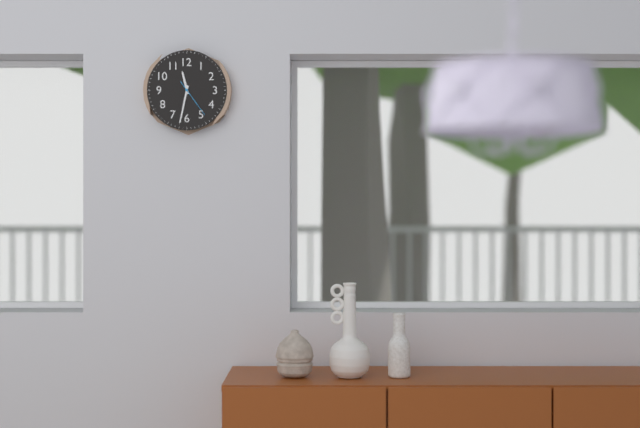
11 h 32 min
